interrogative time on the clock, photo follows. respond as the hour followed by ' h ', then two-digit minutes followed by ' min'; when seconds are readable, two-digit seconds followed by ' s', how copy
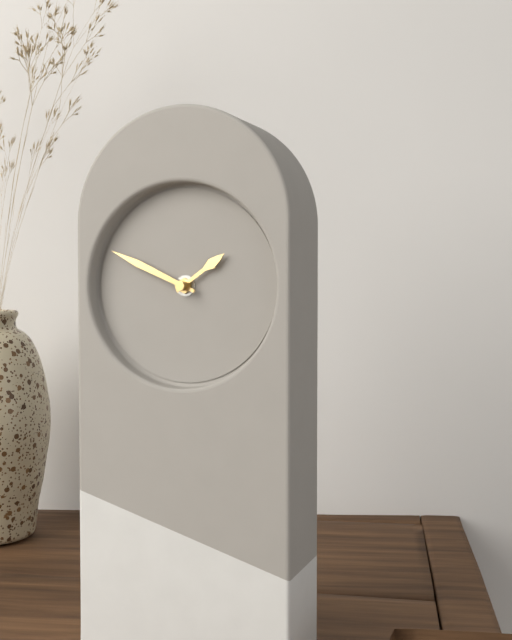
1 h 49 min
